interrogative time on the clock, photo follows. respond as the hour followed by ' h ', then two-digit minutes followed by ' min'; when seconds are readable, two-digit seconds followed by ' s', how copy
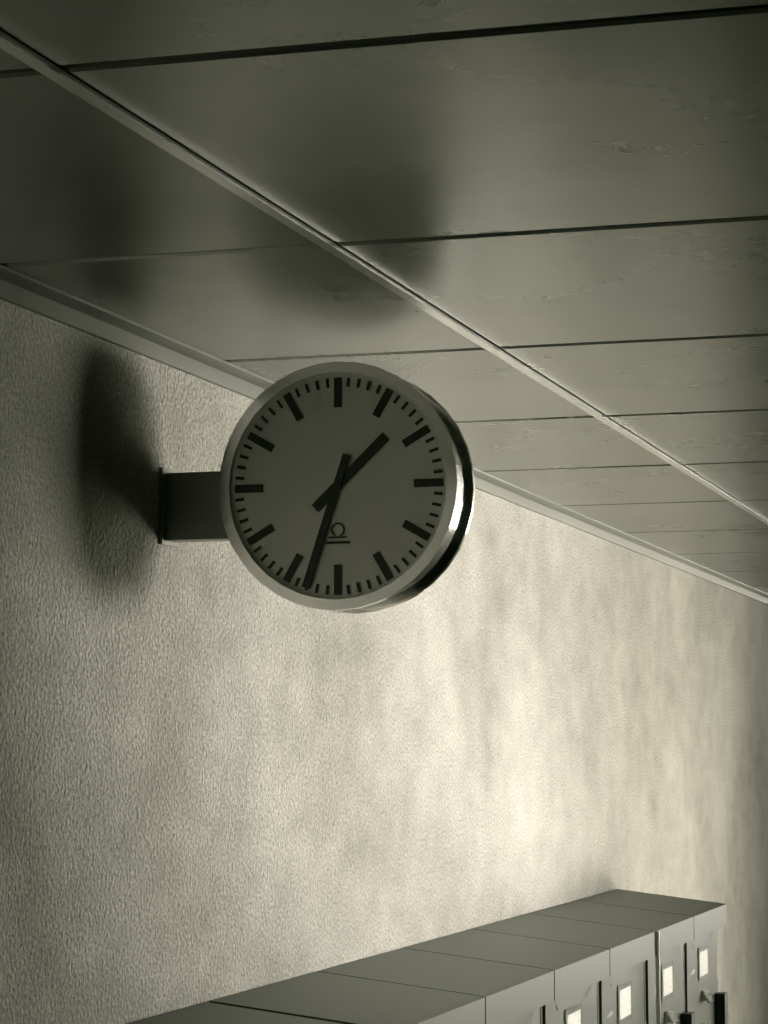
1 h 33 min
